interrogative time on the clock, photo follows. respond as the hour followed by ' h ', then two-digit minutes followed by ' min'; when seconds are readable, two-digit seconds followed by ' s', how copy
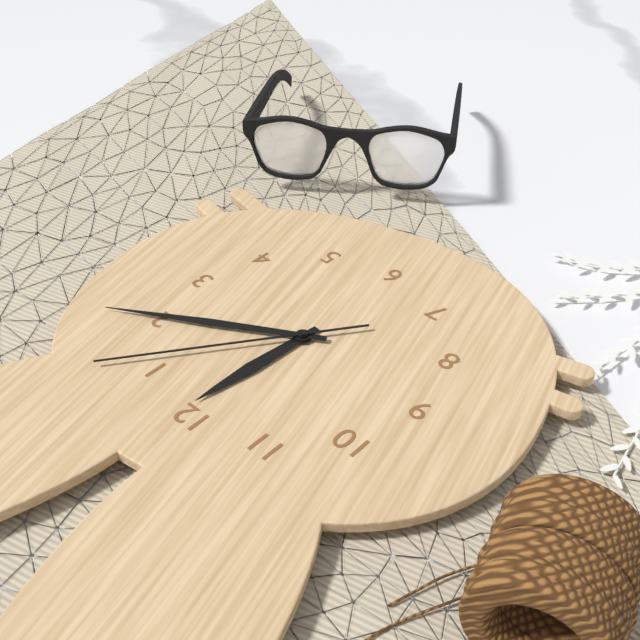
12 h 10 min 06 s
